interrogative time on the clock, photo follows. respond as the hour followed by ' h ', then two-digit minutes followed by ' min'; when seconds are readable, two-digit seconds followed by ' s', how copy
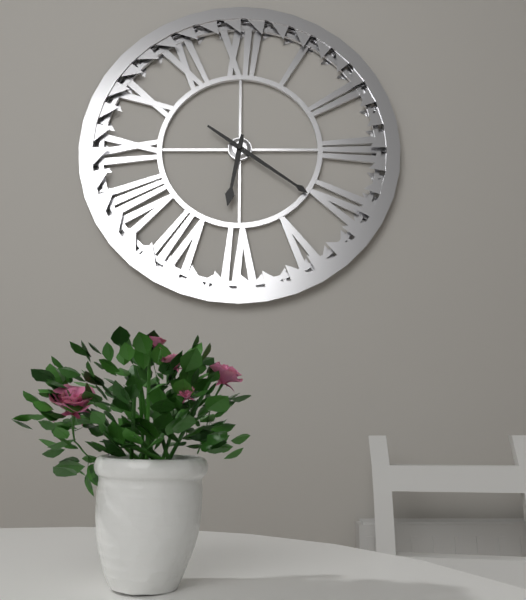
6 h 21 min
